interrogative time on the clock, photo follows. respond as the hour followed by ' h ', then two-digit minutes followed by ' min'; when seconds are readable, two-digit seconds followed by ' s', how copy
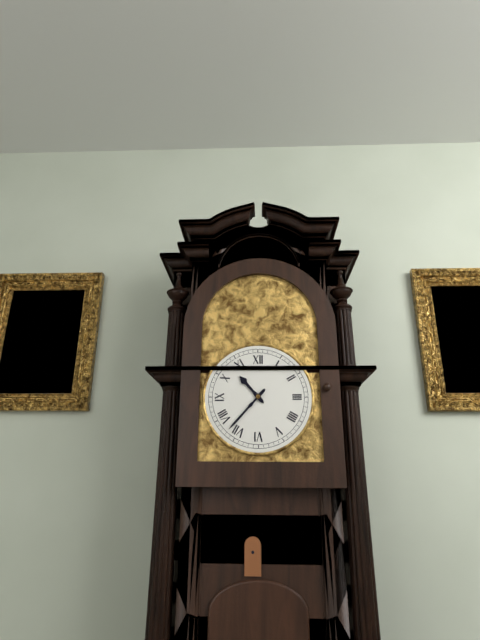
10 h 37 min
